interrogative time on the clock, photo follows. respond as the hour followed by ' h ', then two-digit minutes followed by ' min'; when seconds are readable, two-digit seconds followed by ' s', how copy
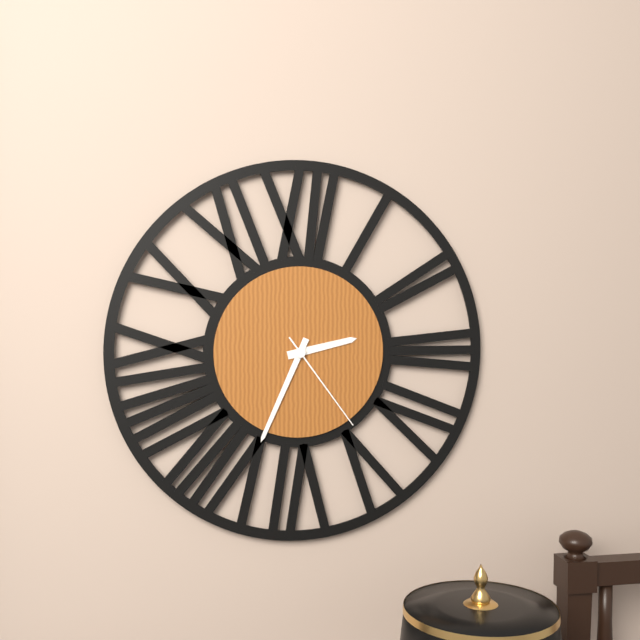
2 h 34 min 24 s
